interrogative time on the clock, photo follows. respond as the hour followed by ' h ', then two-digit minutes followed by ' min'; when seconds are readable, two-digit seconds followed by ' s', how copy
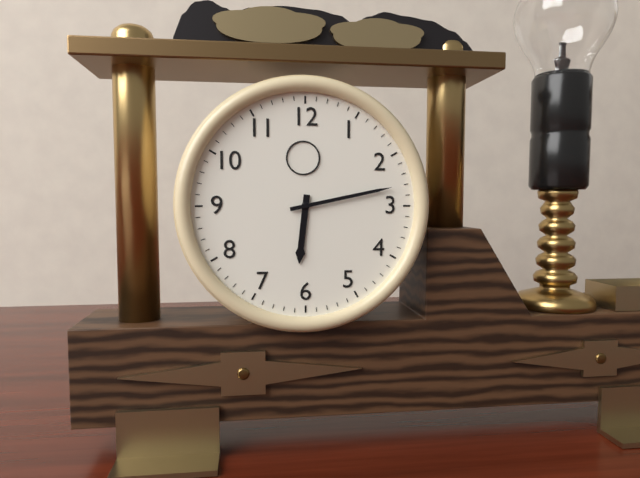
6 h 13 min
